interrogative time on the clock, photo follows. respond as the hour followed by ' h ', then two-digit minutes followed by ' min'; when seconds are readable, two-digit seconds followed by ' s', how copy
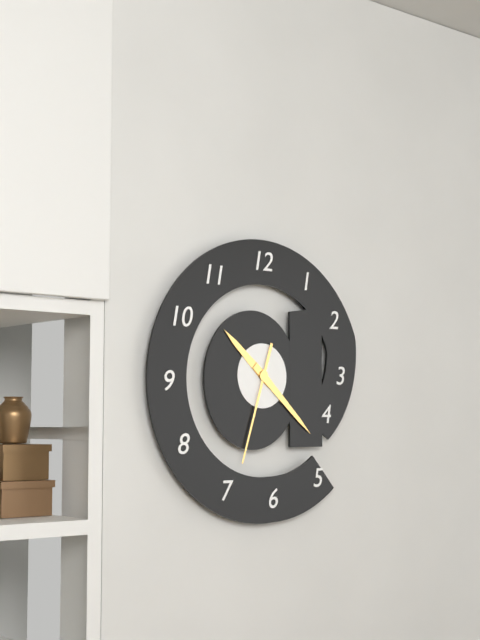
10 h 22 min 33 s
